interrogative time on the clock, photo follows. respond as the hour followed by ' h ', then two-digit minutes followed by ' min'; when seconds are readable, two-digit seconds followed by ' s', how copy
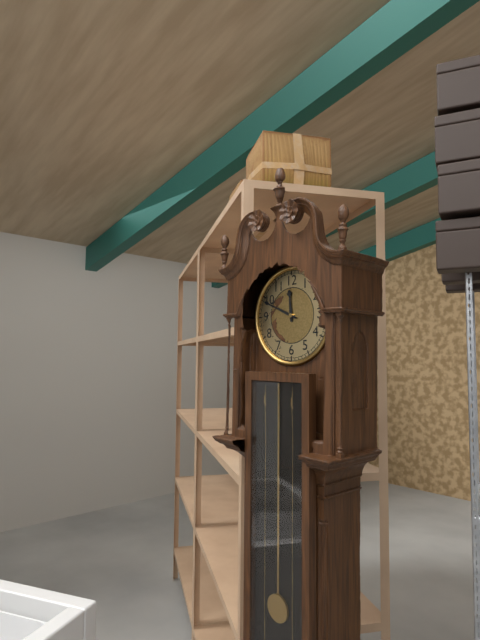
11 h 49 min
